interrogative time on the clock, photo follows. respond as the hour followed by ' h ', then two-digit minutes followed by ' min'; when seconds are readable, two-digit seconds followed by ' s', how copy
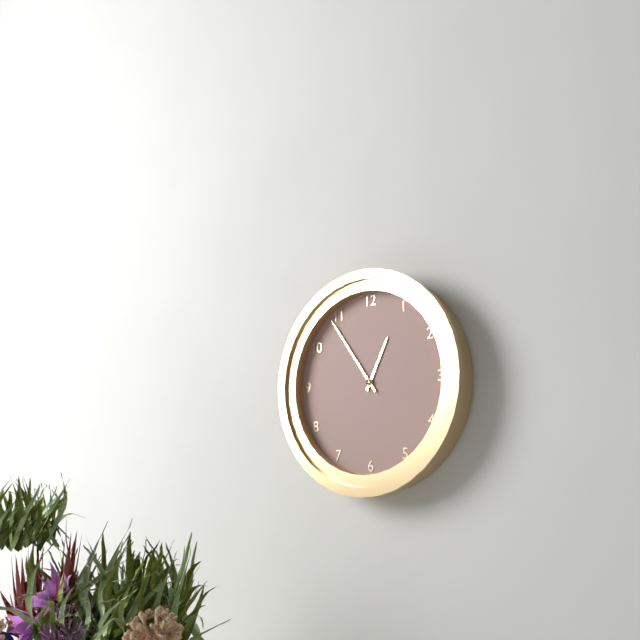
12 h 54 min
